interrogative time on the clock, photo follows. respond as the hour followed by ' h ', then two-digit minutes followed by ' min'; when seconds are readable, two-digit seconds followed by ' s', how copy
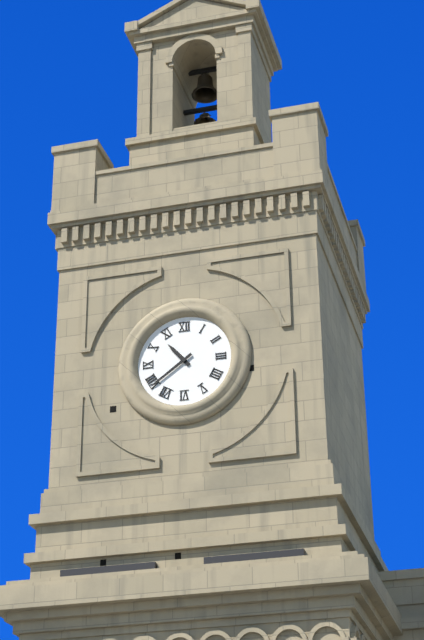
10 h 39 min
